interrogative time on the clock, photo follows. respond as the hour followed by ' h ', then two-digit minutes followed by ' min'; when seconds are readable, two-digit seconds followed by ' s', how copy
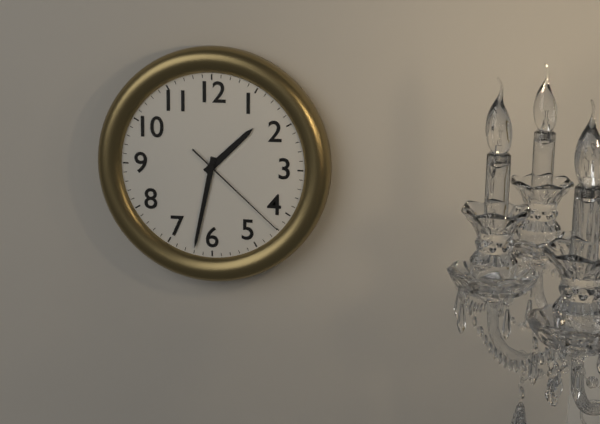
1 h 32 min 22 s
